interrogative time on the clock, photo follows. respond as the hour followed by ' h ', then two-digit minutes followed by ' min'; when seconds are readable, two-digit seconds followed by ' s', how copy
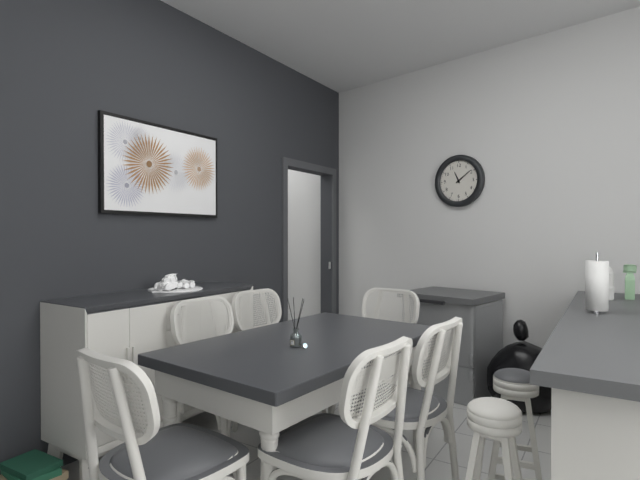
11 h 09 min
